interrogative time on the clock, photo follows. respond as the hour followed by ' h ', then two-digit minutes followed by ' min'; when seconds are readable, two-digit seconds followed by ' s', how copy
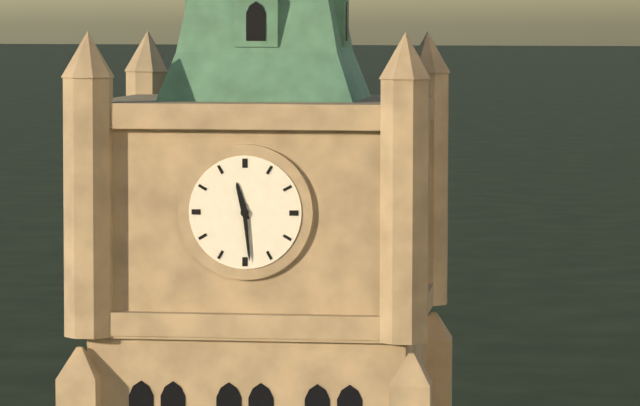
11 h 29 min
